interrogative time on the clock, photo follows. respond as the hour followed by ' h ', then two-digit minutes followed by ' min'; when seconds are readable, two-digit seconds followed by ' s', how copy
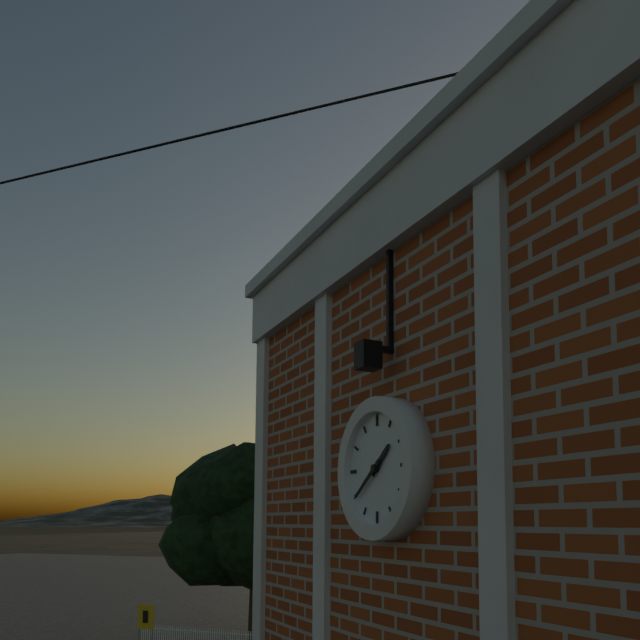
1 h 39 min
